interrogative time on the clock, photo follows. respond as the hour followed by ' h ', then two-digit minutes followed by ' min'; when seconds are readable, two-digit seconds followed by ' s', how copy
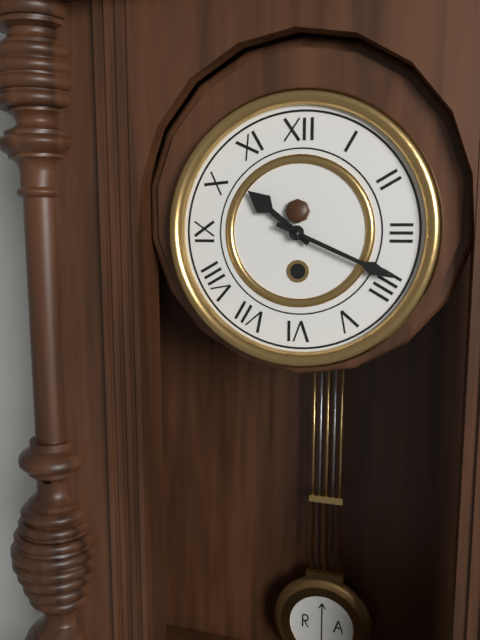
10 h 19 min
